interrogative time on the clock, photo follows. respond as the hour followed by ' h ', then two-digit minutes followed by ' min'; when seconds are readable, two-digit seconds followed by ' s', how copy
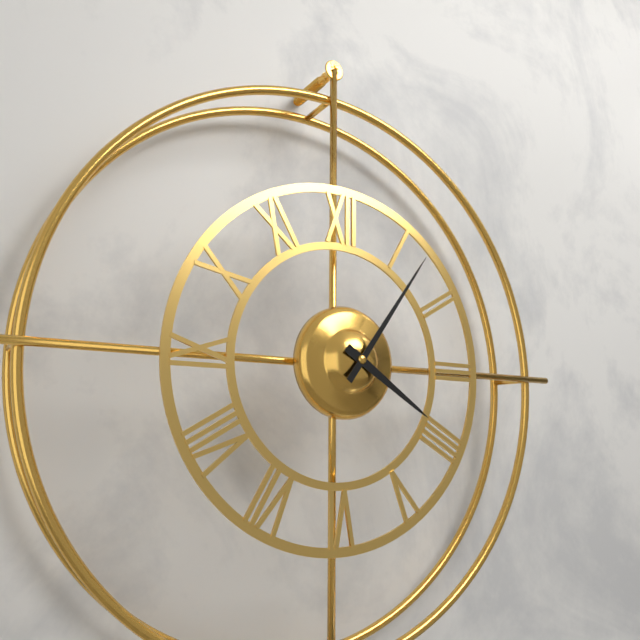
4 h 06 min
